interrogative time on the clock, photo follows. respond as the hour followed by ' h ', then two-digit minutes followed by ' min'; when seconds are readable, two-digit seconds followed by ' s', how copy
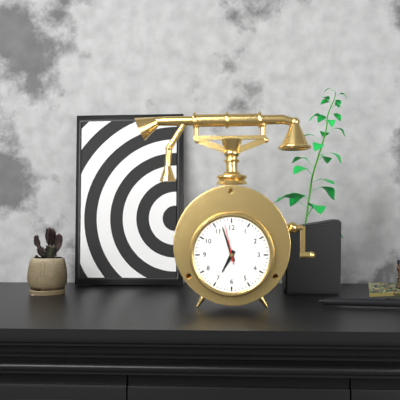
6 h 57 min
